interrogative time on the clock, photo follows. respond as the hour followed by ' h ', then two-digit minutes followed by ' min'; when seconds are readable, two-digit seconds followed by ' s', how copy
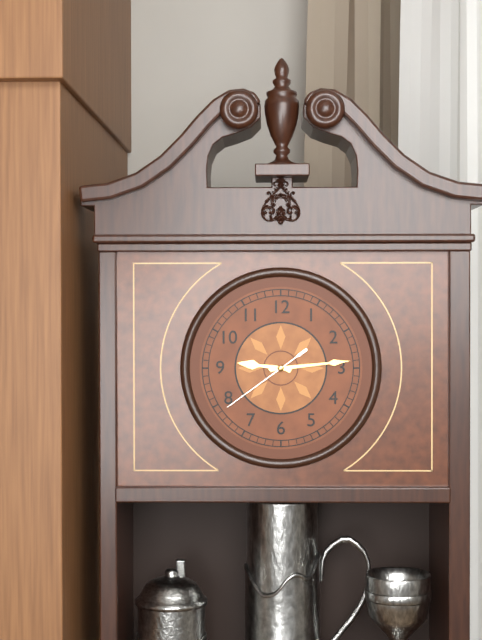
9 h 14 min 39 s
